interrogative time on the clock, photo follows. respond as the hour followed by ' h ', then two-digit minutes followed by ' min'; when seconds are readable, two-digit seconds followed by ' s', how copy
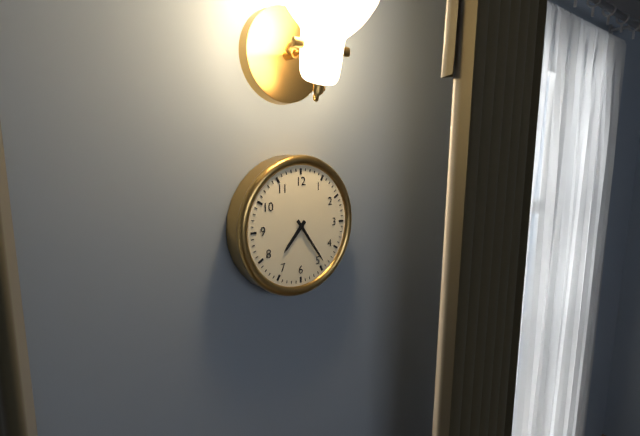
7 h 24 min
